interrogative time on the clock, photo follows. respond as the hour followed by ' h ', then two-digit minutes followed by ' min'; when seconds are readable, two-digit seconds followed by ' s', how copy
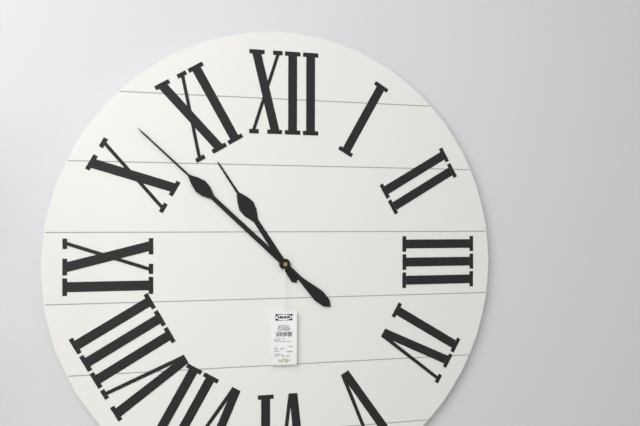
10 h 52 min
